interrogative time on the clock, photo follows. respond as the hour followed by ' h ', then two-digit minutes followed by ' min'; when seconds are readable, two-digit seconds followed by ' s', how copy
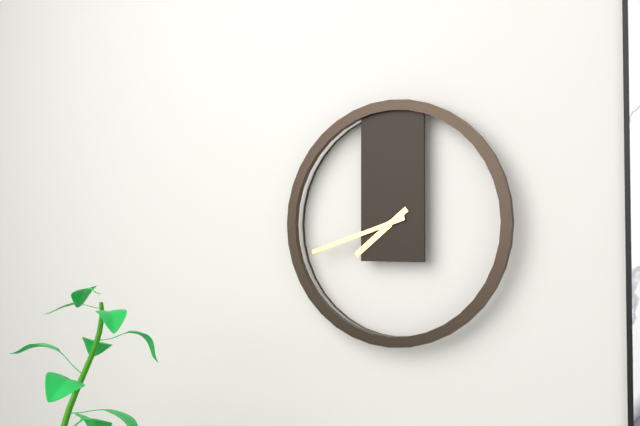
7 h 42 min
